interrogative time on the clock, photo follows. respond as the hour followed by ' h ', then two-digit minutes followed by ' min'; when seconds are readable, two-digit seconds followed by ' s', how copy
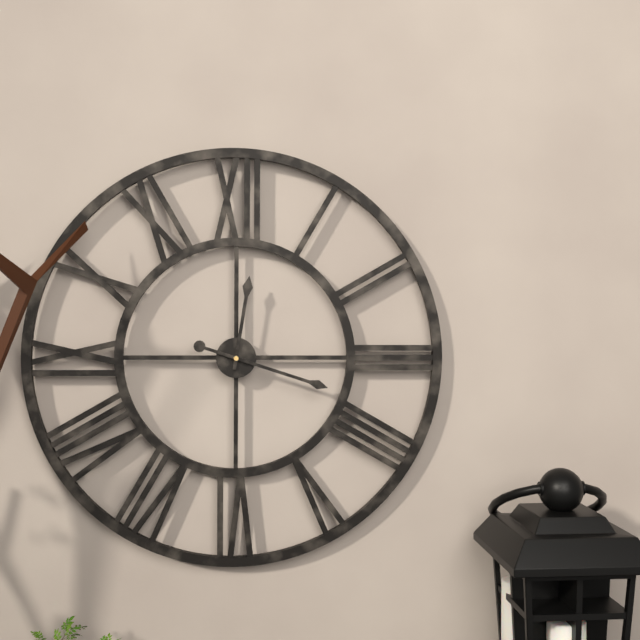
12 h 18 min
